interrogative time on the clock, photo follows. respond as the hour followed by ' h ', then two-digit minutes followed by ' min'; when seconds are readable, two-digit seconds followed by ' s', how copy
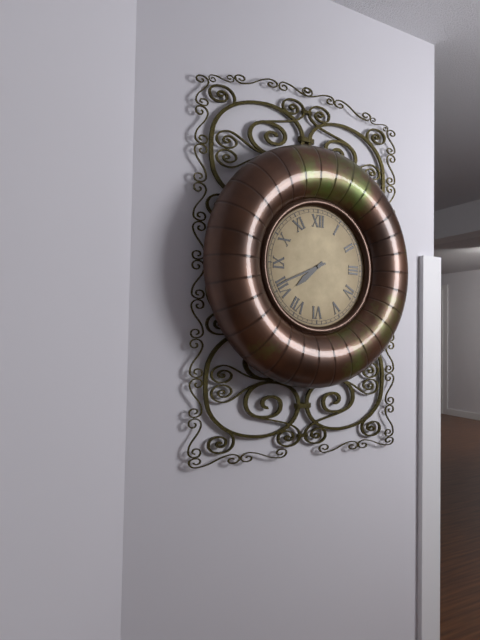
7 h 41 min
